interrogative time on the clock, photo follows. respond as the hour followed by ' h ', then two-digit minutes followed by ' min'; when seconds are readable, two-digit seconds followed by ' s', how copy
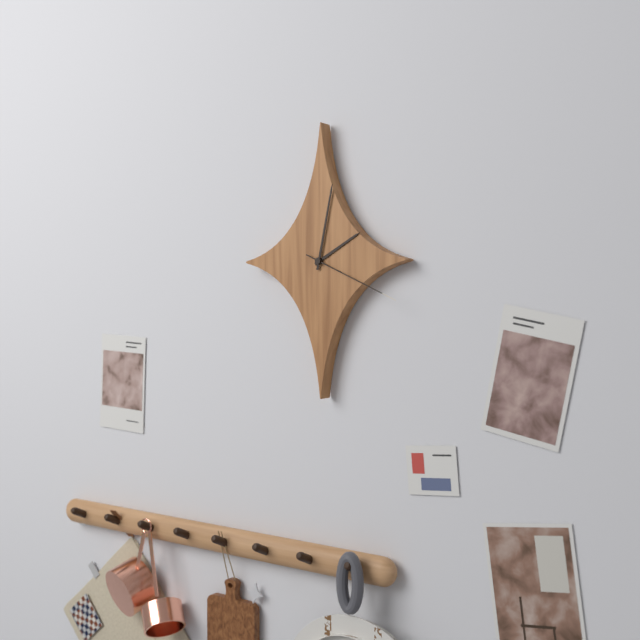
2 h 02 min 19 s
